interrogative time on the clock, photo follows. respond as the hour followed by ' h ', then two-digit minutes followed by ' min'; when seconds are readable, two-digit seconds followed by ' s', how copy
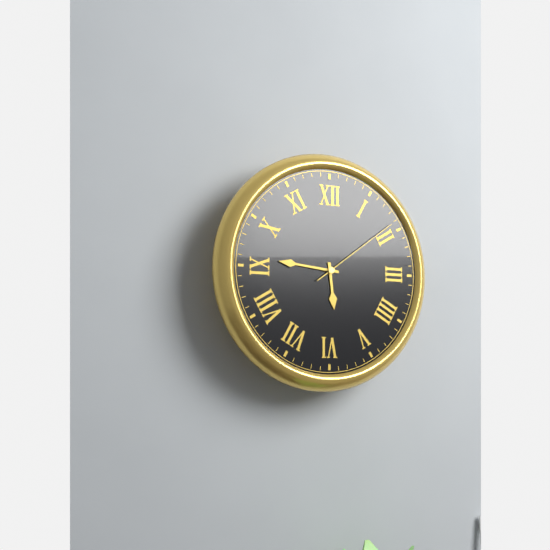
5 h 46 min 09 s
